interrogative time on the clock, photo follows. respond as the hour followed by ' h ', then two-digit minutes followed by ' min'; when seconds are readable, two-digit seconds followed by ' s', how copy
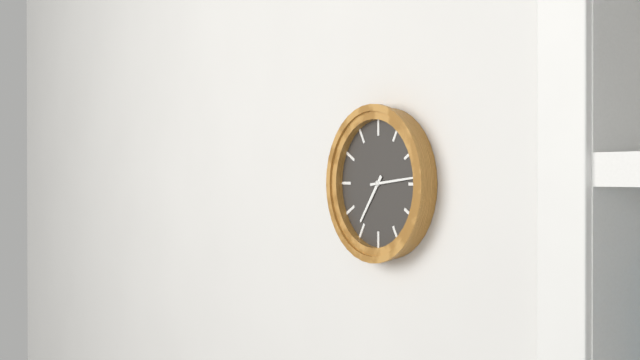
7 h 14 min
